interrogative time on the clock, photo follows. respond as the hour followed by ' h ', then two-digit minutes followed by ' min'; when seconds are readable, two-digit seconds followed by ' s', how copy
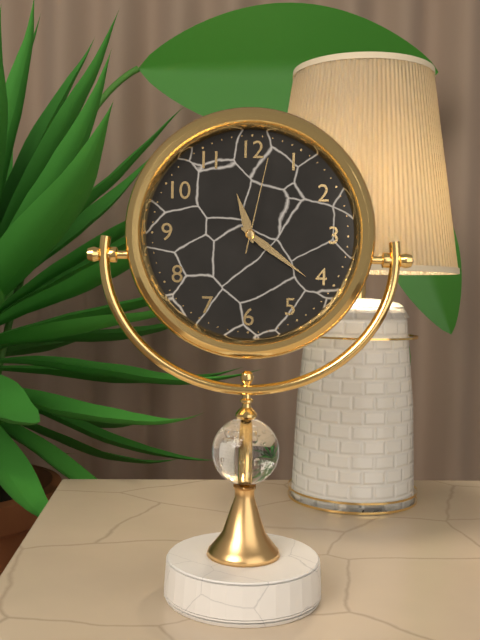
11 h 21 min 02 s
